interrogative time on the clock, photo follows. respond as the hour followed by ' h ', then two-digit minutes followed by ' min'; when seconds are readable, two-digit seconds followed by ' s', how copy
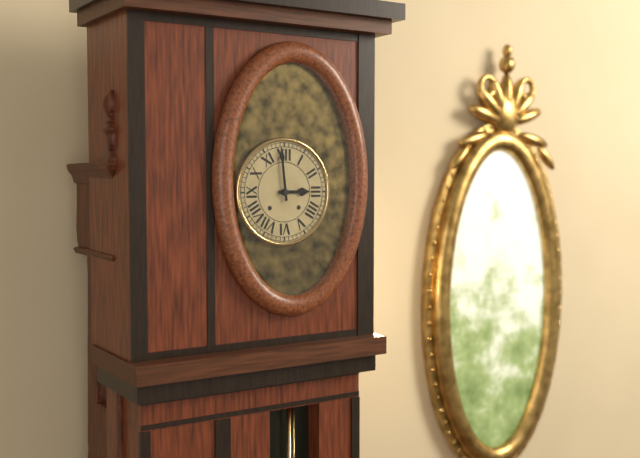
2 h 59 min
